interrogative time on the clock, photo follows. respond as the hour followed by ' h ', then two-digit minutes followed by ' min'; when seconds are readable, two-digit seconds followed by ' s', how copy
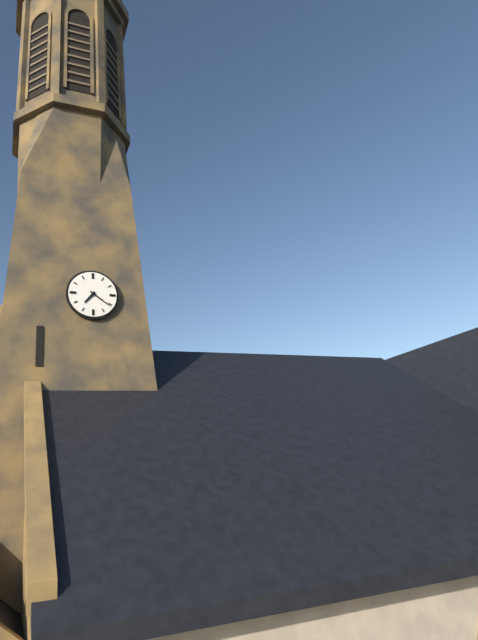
7 h 21 min
